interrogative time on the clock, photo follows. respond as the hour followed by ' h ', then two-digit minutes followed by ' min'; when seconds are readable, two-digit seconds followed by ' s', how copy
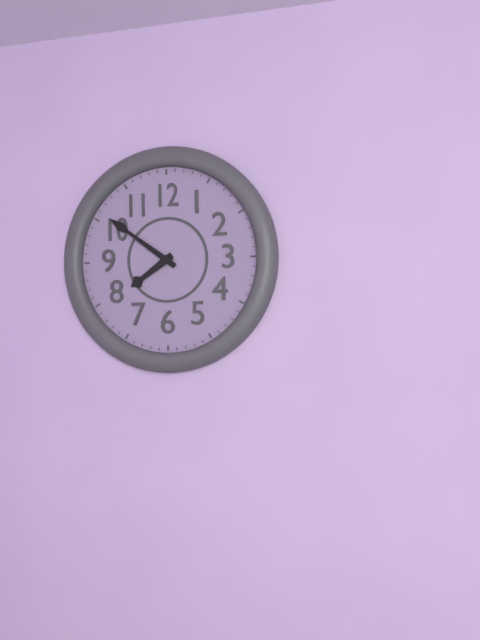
7 h 51 min
